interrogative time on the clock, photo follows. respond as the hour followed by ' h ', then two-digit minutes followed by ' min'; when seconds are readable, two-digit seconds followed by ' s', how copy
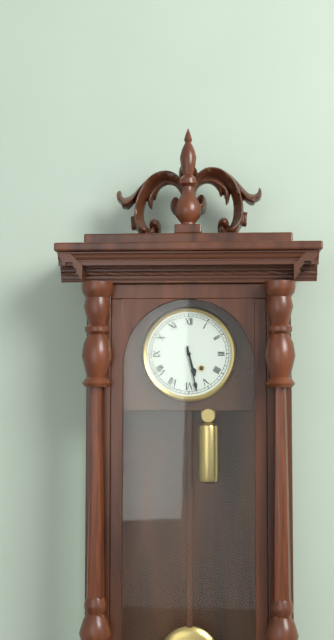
5 h 28 min
